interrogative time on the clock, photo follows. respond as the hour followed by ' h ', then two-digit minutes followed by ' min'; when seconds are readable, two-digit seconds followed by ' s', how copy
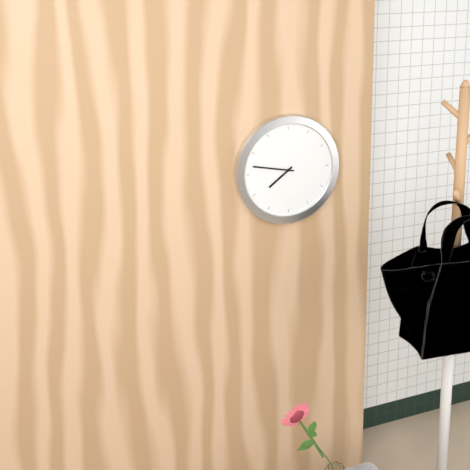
7 h 47 min
